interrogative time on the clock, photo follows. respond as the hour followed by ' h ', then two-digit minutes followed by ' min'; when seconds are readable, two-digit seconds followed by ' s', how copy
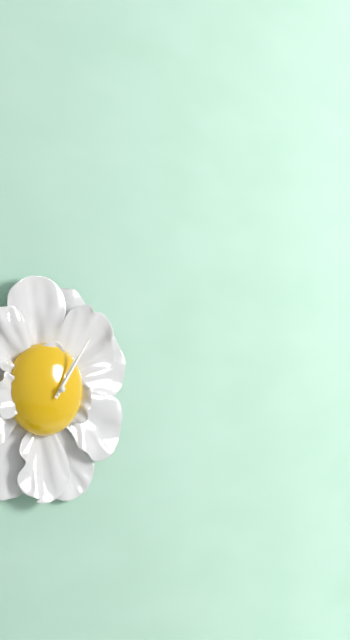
1 h 06 min
